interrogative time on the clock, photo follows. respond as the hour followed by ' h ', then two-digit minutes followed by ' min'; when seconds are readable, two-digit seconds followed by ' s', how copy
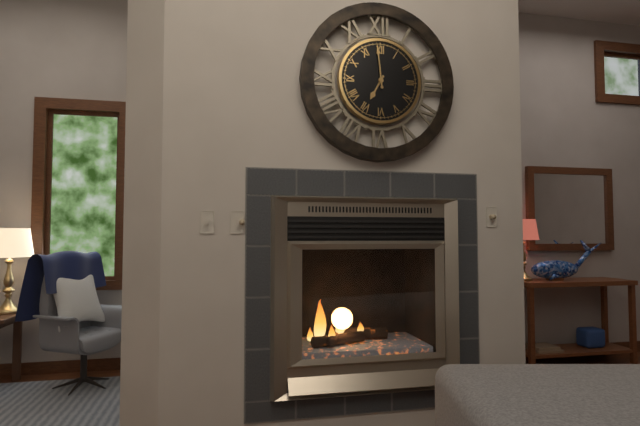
6 h 59 min
